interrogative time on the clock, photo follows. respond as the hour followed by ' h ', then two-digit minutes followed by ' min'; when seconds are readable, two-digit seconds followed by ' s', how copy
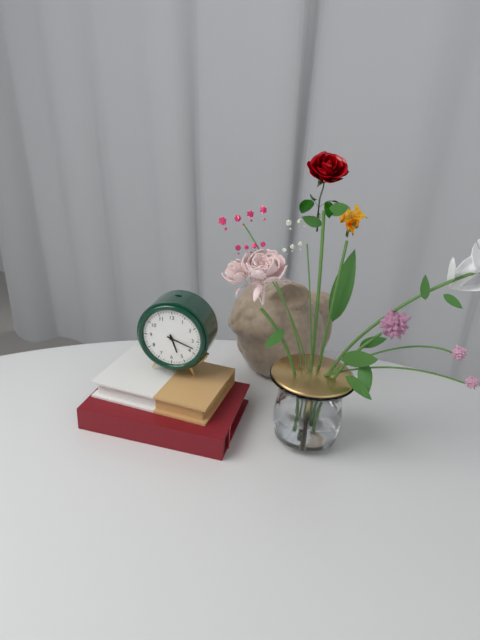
5 h 18 min
